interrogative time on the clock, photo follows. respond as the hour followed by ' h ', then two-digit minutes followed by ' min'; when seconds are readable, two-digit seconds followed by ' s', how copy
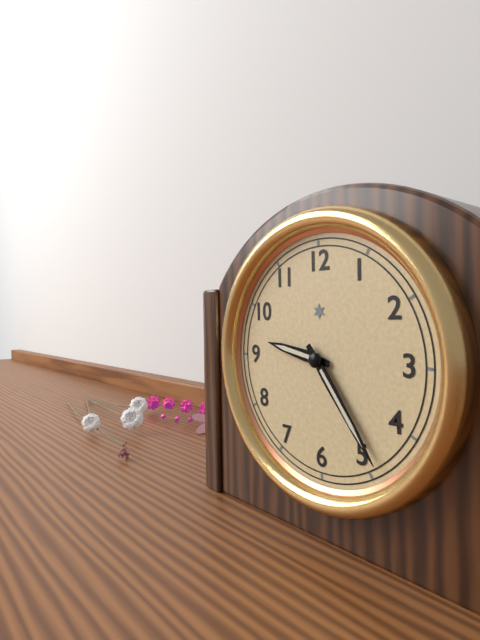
9 h 24 min
